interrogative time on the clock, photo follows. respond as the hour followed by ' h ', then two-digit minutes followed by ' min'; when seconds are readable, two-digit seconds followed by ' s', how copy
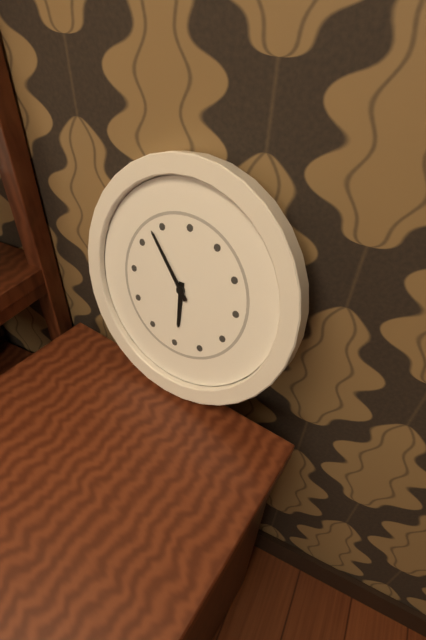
5 h 53 min
